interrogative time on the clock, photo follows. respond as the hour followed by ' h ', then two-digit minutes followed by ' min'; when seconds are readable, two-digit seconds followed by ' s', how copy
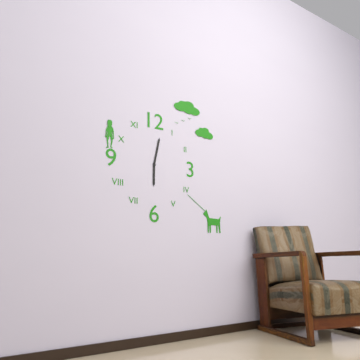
6 h 02 min
